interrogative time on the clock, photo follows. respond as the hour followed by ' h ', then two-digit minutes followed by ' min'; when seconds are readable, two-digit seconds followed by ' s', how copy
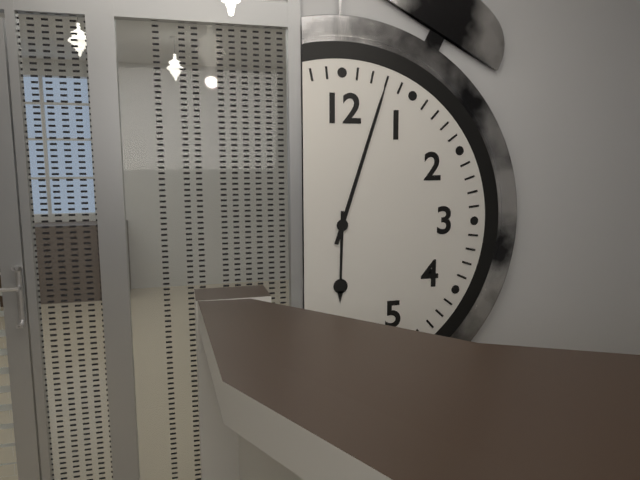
6 h 03 min
